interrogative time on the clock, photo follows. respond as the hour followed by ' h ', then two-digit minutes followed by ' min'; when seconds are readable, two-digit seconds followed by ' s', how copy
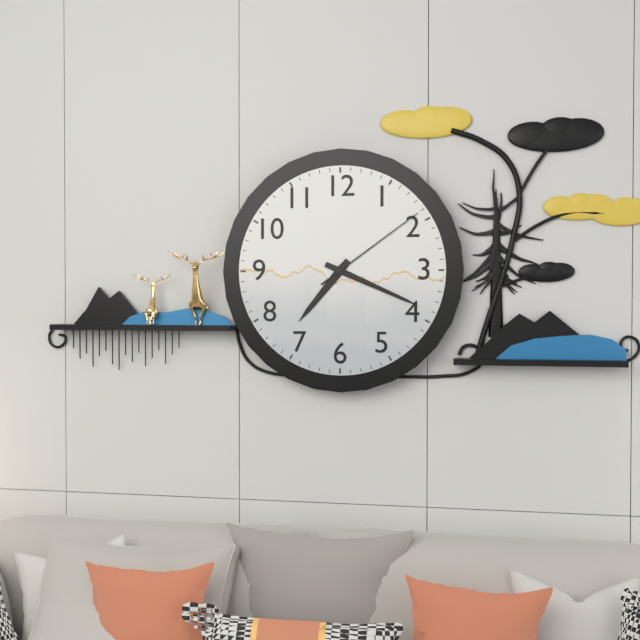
7 h 19 min 09 s
